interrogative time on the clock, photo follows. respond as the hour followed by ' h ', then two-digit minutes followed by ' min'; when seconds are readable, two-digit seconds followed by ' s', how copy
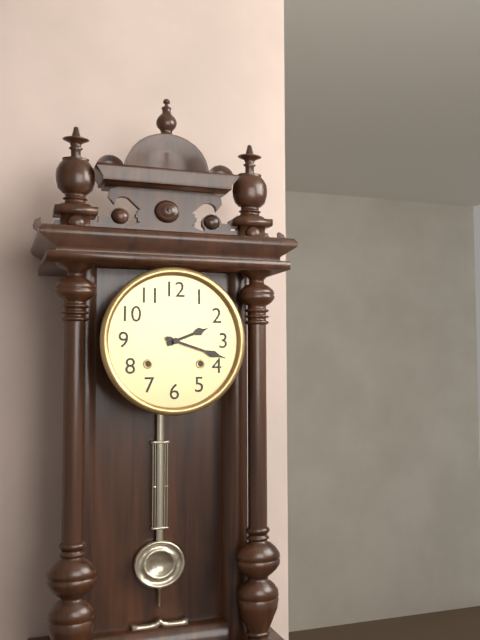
2 h 18 min
